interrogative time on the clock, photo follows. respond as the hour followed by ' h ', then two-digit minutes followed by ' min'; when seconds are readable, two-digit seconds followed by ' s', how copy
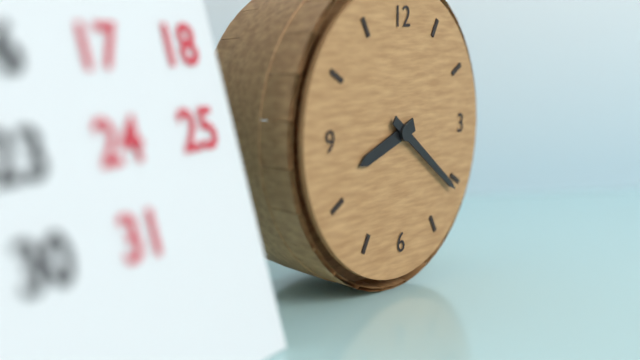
8 h 21 min
